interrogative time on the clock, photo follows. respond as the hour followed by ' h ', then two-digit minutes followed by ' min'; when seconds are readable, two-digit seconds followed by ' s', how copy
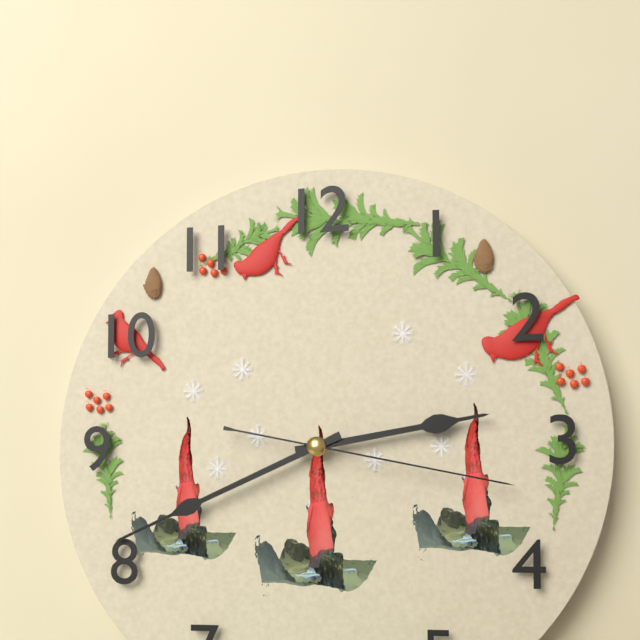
2 h 41 min 17 s
